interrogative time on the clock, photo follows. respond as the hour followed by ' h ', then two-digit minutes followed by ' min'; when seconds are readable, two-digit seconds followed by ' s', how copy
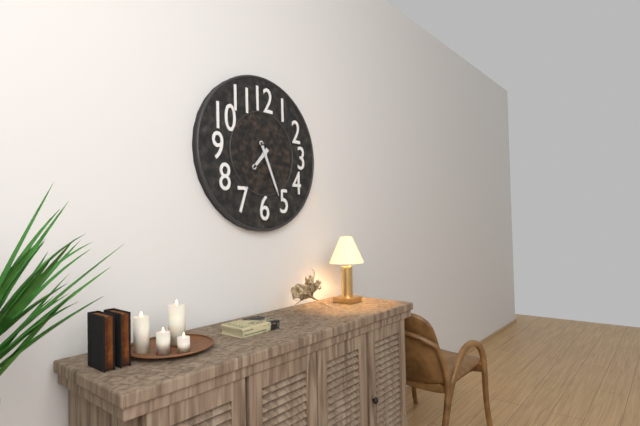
7 h 26 min
